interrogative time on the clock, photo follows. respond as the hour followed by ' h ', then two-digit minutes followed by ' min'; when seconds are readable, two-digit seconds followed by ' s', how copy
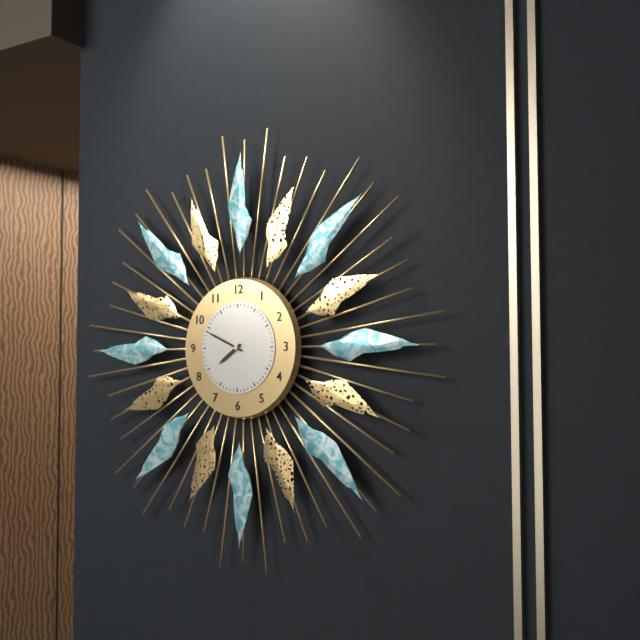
7 h 49 min
